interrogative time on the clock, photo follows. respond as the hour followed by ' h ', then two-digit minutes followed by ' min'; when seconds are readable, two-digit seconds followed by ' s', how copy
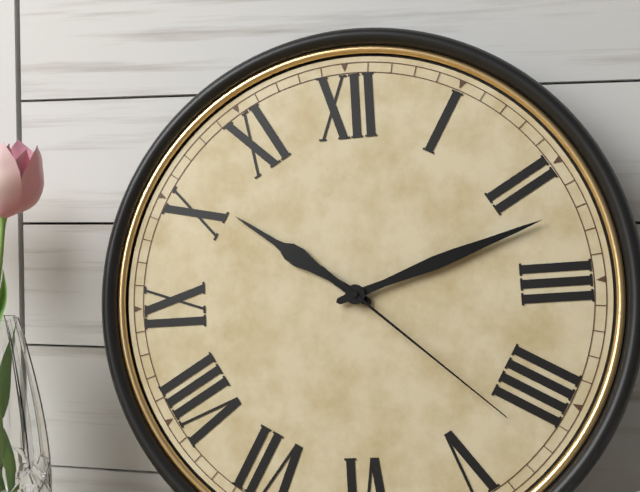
10 h 12 min 22 s
